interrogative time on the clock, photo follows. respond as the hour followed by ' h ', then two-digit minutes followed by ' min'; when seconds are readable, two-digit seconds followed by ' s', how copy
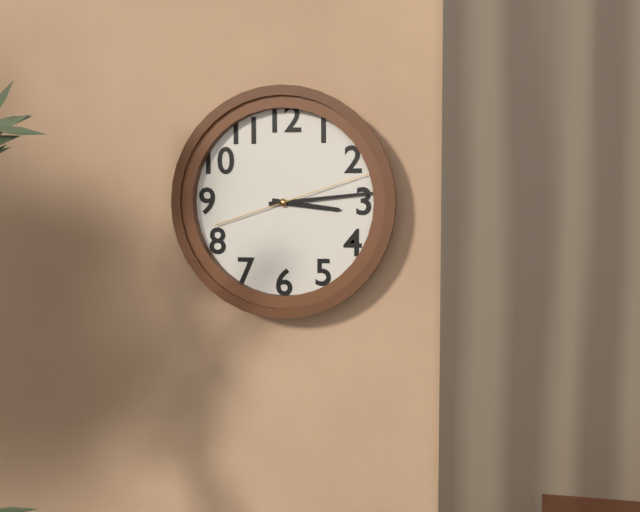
3 h 14 min 12 s
